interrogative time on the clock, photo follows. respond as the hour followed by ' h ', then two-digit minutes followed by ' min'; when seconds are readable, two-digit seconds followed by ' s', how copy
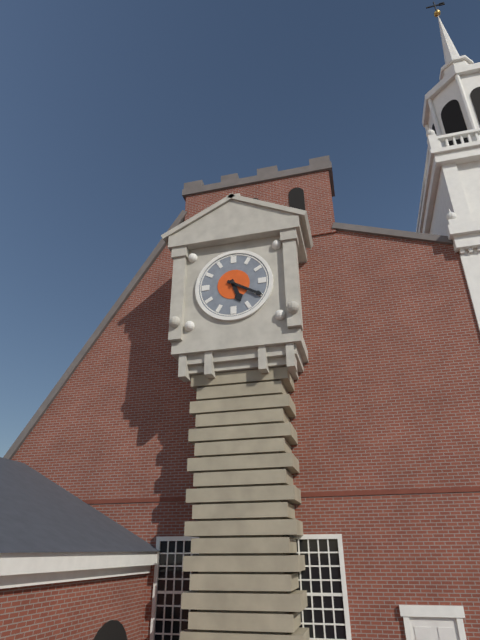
5 h 20 min
